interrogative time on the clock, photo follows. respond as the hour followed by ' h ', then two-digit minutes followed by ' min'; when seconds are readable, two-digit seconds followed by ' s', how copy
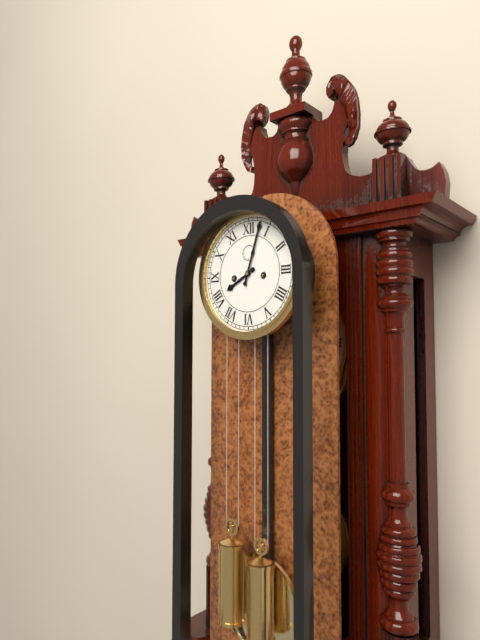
8 h 03 min
